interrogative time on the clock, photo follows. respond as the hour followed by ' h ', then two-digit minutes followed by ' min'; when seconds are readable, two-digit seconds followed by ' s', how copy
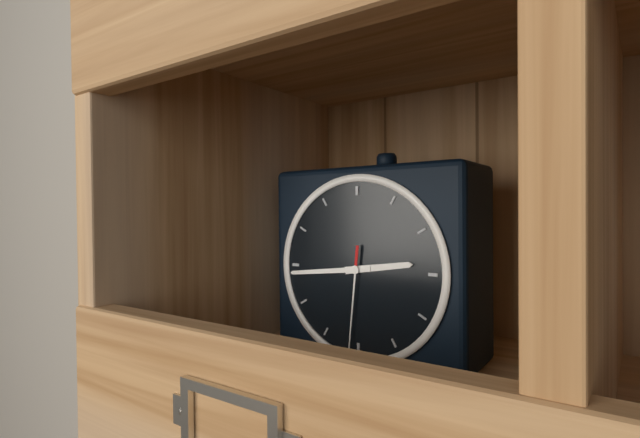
2 h 44 min 31 s
